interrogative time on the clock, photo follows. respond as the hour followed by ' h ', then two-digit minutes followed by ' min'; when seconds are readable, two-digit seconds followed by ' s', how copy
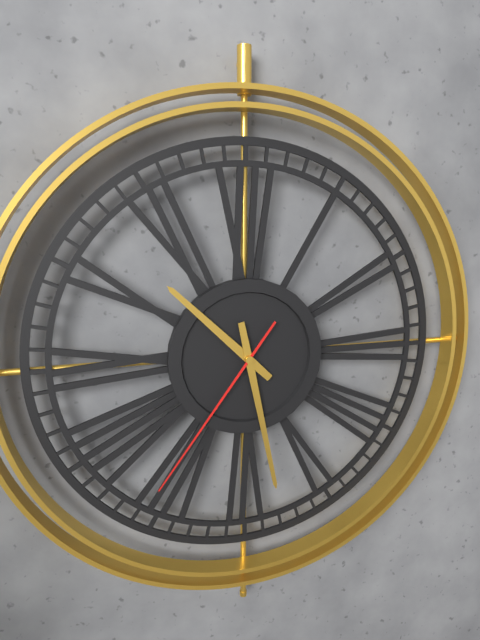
10 h 28 min 36 s
